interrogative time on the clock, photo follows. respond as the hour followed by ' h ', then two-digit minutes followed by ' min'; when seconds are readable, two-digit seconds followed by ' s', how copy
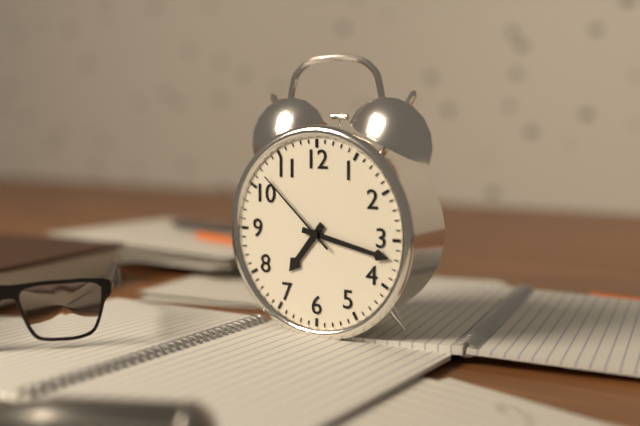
7 h 17 min 52 s
